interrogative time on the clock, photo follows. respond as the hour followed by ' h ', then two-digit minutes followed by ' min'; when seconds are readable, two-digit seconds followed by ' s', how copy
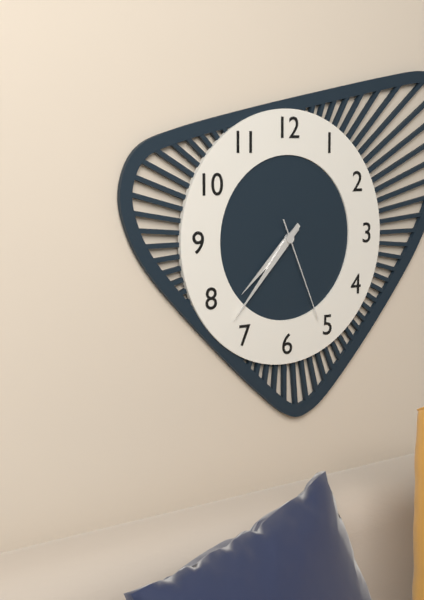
7 h 37 min 26 s
